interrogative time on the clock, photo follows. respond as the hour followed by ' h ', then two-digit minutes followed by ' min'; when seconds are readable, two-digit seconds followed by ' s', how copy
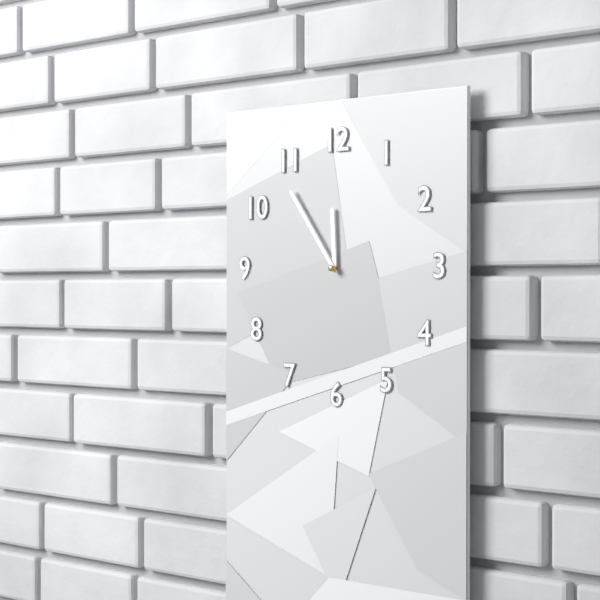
11 h 54 min
